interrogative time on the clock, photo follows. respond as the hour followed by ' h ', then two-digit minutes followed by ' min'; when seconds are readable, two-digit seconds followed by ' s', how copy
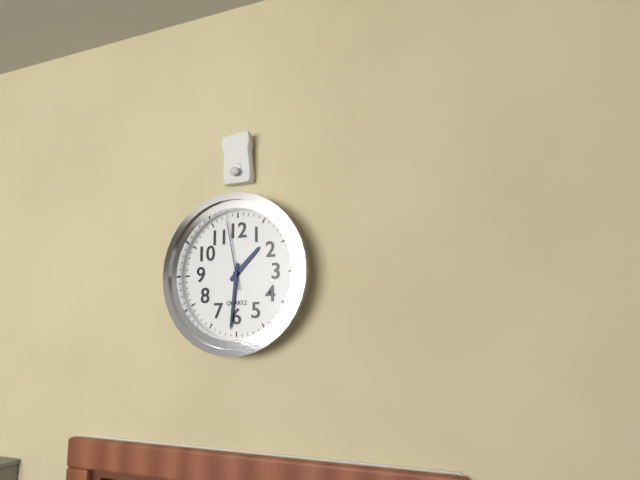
1 h 31 min 58 s
